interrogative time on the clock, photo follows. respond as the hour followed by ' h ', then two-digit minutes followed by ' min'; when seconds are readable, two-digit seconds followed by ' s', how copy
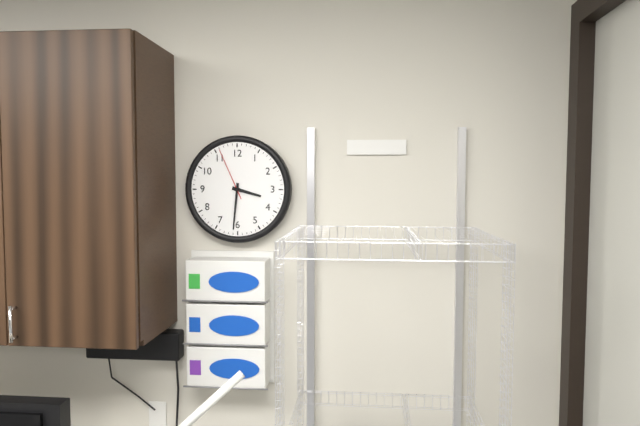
3 h 31 min 56 s
